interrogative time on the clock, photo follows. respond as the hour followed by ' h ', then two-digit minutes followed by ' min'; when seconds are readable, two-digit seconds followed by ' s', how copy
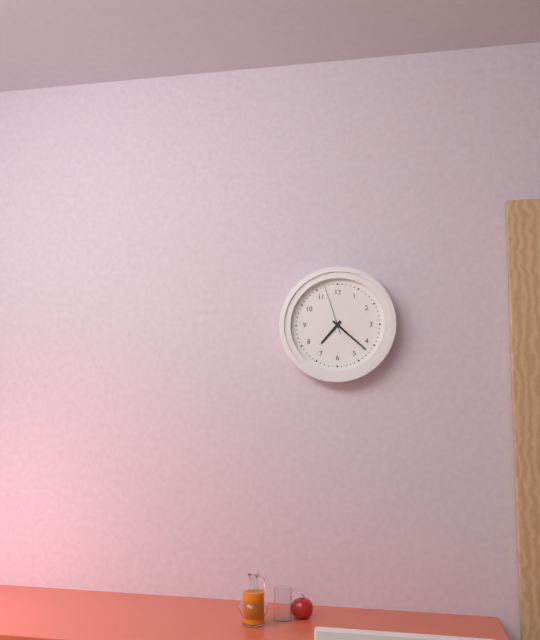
7 h 22 min
